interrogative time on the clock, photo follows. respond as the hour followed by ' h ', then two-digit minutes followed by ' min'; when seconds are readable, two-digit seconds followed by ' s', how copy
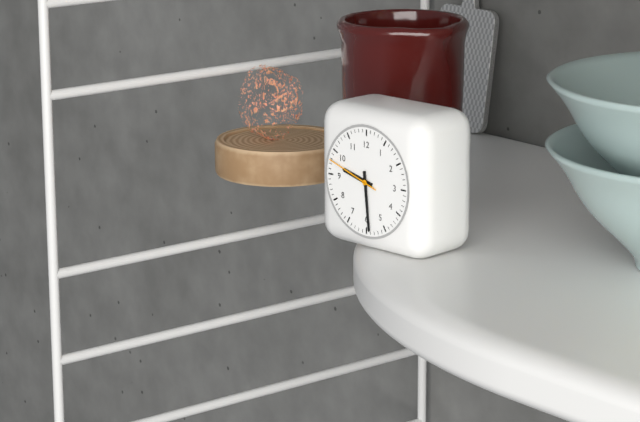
9 h 29 min 48 s
